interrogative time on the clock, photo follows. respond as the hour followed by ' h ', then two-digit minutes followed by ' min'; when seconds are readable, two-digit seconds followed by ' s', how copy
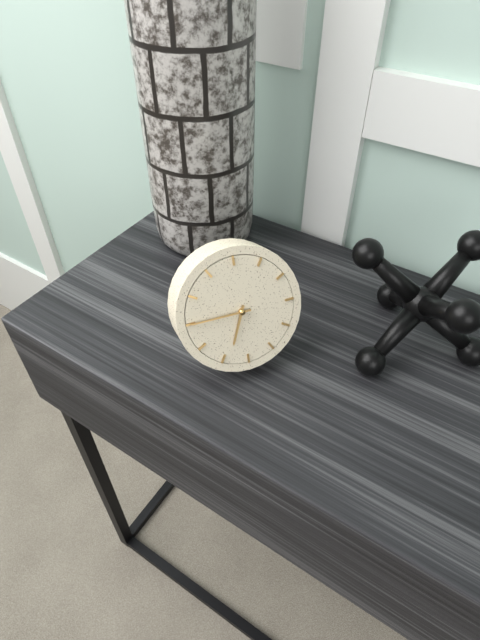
6 h 45 min
